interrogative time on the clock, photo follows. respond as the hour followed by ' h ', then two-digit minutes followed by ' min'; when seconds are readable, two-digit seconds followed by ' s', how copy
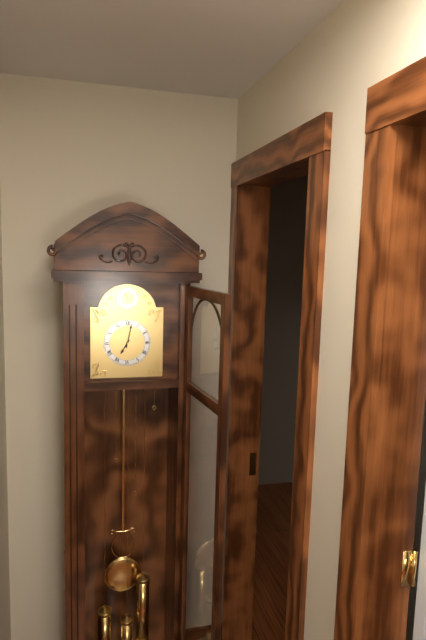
7 h 02 min
